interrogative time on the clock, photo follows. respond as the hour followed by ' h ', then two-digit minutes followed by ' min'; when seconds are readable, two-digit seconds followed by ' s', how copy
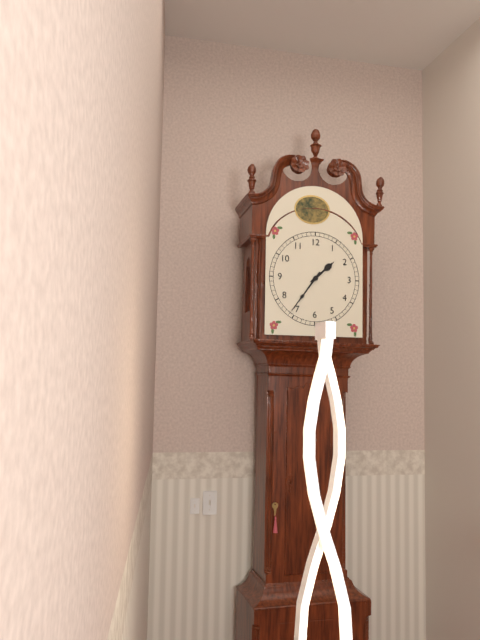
1 h 36 min
